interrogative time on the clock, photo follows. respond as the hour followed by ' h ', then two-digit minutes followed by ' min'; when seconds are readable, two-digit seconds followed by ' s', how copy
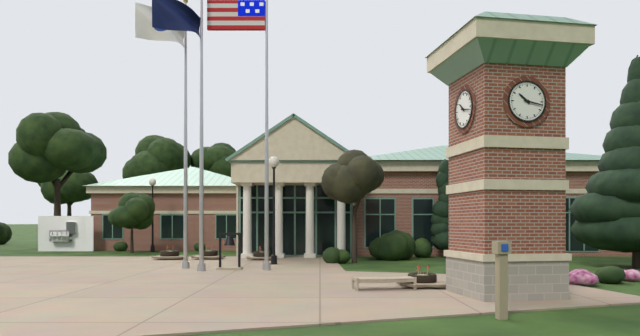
10 h 17 min
